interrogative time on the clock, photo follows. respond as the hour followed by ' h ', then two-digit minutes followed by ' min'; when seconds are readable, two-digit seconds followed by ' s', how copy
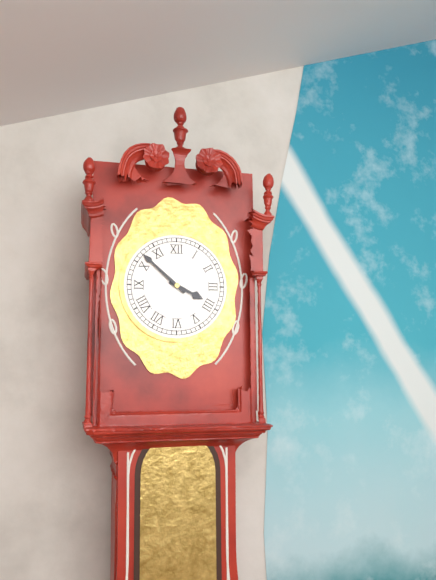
3 h 52 min
